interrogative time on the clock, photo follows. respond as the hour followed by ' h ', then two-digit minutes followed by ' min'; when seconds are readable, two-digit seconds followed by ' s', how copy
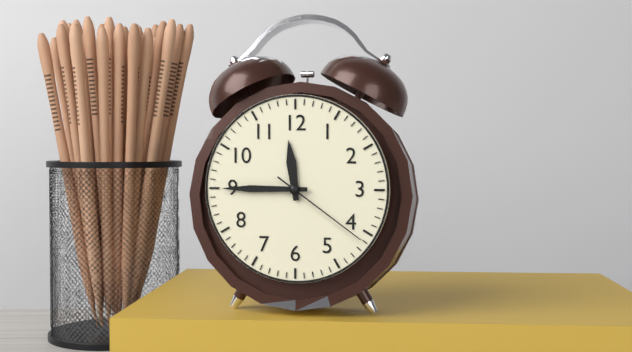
11 h 45 min 21 s
